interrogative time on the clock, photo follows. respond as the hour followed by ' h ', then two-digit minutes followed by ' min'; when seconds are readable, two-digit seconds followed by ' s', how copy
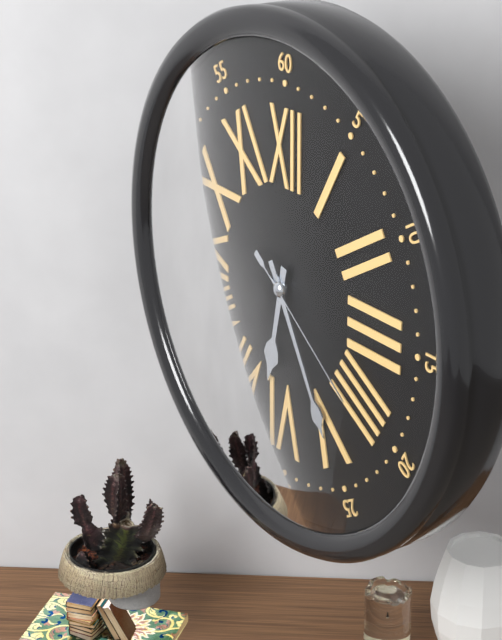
6 h 25 min 21 s
